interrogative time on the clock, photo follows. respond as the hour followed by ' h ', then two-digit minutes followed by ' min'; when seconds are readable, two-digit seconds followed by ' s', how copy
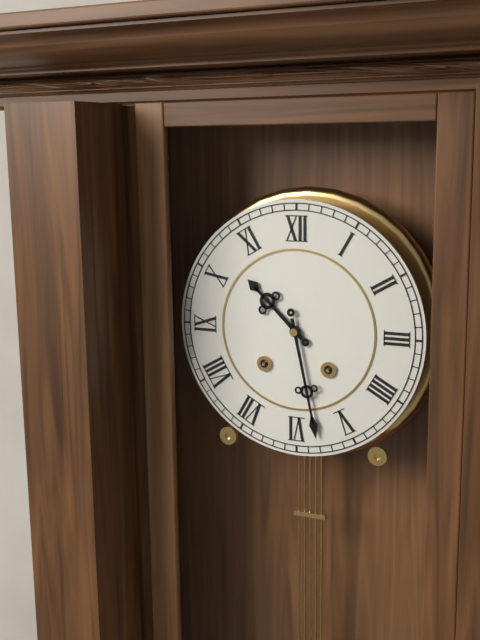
10 h 28 min
